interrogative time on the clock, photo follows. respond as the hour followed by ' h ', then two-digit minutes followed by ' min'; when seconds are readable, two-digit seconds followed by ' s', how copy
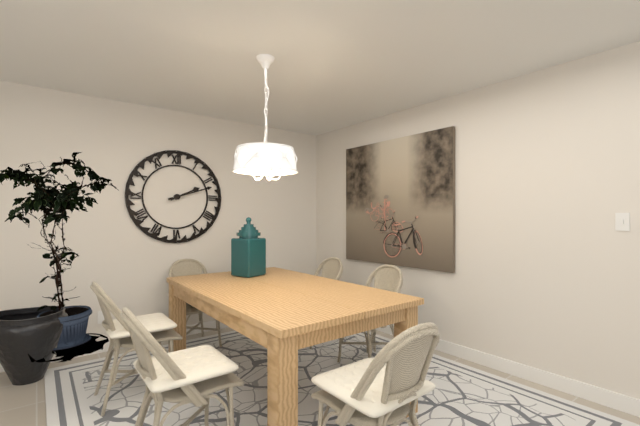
2 h 12 min
